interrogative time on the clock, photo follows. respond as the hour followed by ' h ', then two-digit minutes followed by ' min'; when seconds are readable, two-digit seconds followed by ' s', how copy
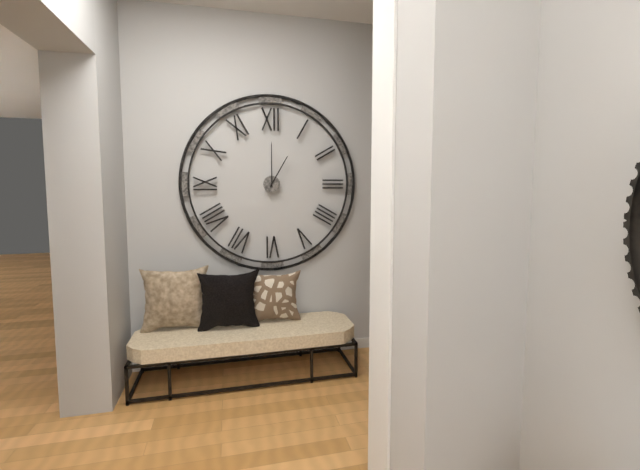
1 h 00 min
